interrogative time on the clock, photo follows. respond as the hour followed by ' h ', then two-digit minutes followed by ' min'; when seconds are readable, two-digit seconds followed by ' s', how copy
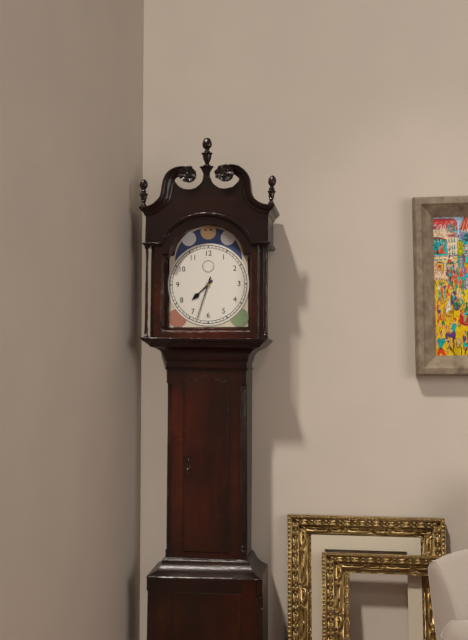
7 h 33 min
